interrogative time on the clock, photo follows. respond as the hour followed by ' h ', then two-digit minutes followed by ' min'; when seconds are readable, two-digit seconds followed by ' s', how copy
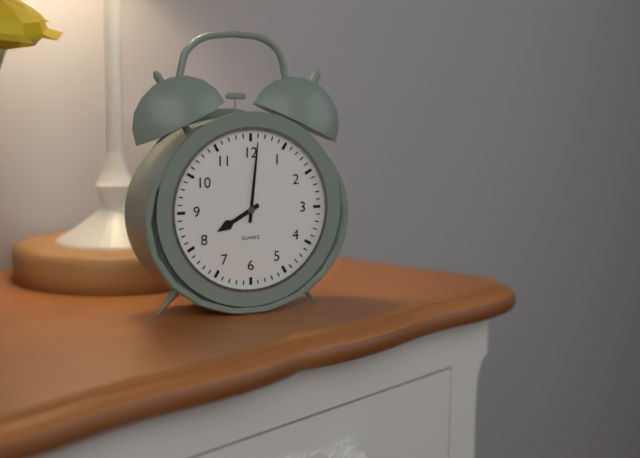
8 h 01 min
